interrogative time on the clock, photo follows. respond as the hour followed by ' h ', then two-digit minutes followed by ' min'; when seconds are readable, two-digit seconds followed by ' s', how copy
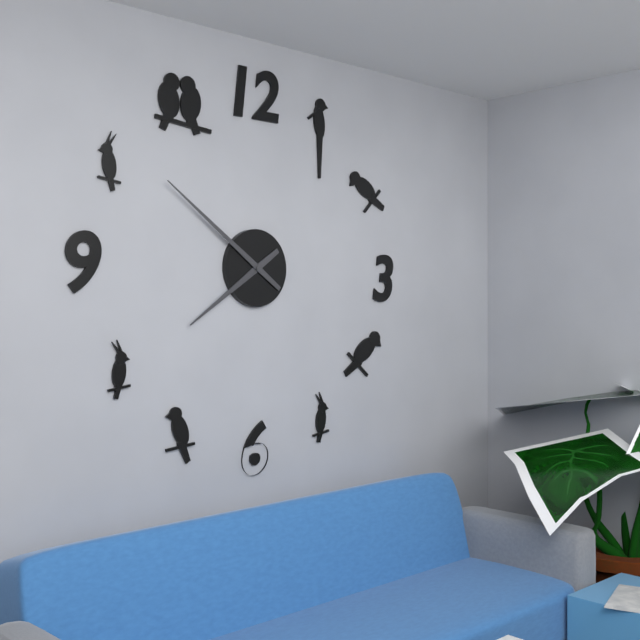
7 h 51 min
